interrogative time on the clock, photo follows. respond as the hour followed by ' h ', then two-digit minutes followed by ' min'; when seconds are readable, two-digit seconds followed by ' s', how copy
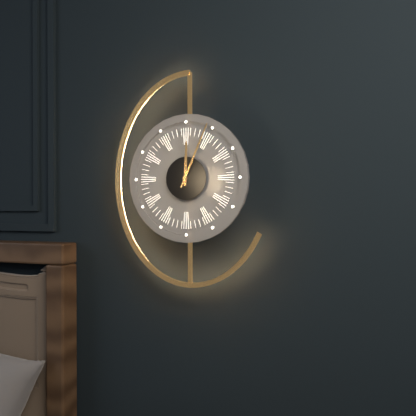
12 h 04 min
